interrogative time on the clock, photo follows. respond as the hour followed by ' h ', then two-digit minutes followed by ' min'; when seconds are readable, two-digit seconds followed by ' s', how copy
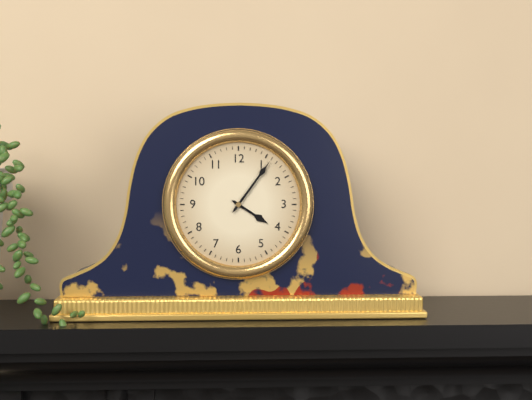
4 h 06 min
